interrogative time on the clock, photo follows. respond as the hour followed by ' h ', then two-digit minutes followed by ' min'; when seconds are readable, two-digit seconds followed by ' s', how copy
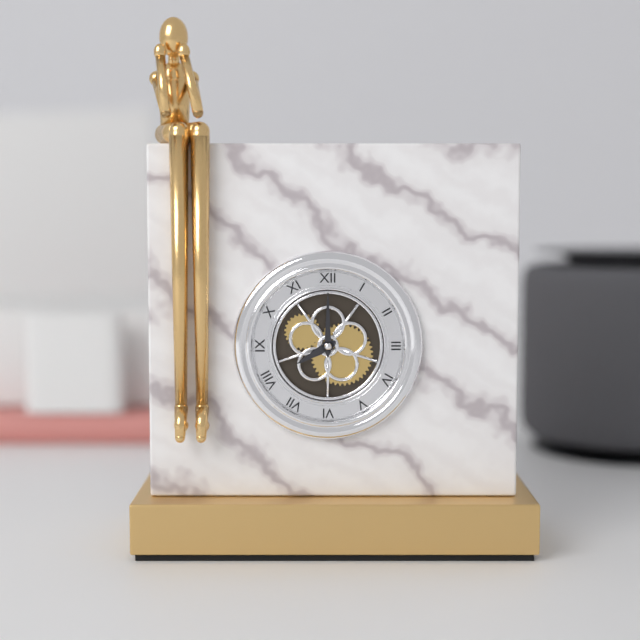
8 h 00 min
